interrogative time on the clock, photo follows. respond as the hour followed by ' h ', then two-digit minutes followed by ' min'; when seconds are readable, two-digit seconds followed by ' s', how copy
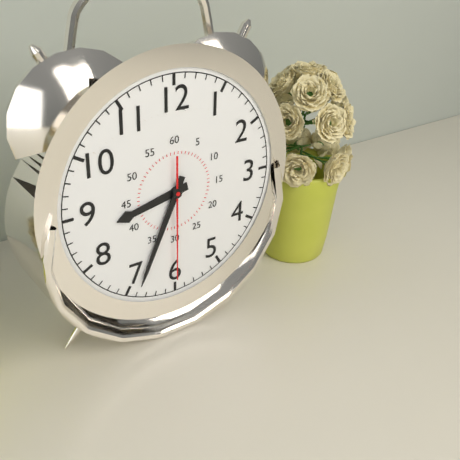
8 h 34 min 30 s
